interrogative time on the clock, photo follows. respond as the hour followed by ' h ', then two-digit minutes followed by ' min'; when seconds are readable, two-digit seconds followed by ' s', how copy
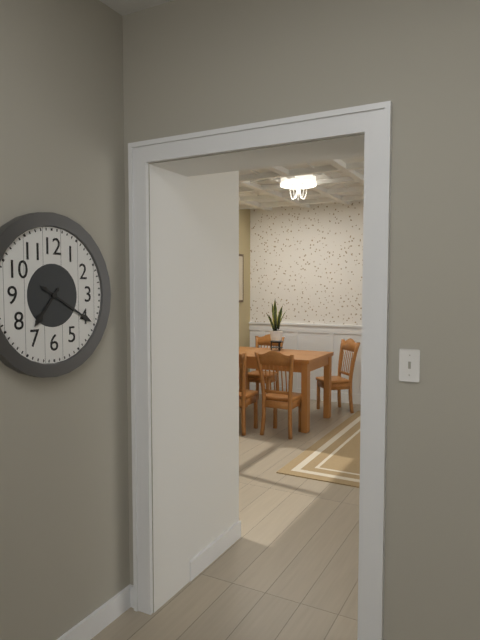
7 h 20 min
